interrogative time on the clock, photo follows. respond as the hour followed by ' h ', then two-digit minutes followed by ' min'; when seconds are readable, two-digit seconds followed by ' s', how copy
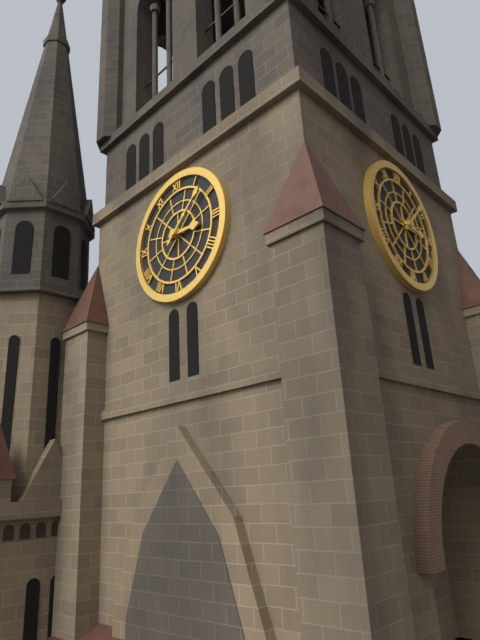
3 h 08 min
